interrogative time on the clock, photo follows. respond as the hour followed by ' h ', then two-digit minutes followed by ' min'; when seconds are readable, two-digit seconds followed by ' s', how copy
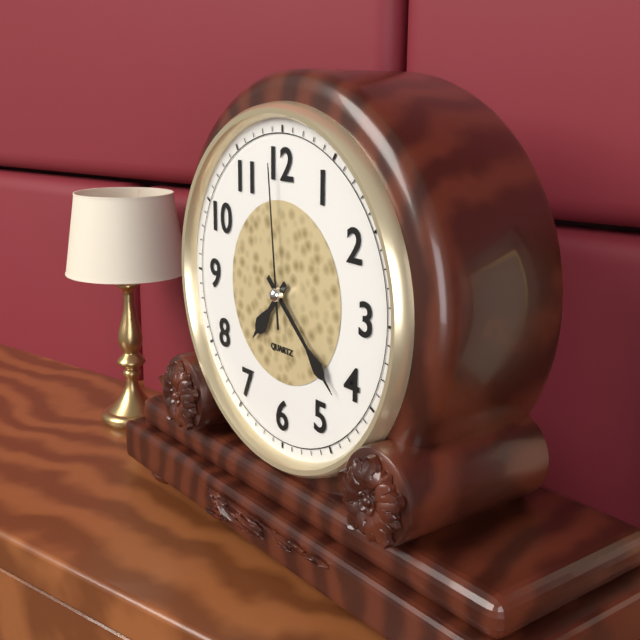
7 h 22 min 59 s
